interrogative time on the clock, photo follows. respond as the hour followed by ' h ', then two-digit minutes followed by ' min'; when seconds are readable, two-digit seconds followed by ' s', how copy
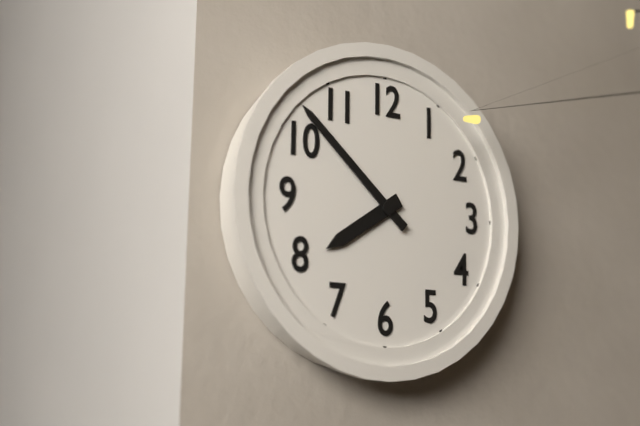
7 h 52 min
